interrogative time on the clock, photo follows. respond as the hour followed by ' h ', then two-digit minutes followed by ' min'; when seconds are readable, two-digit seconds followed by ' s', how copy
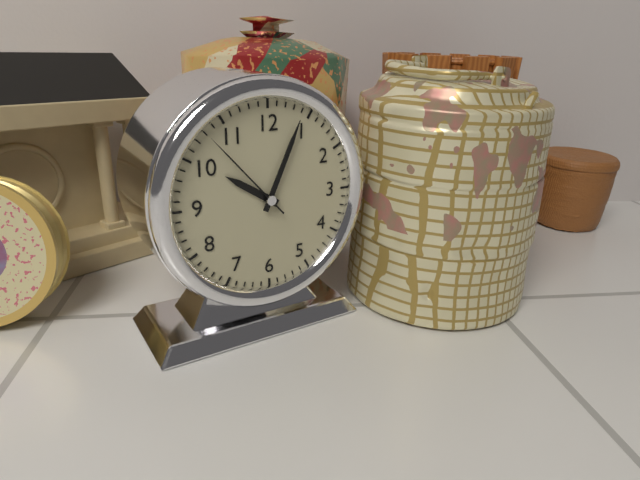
10 h 04 min 53 s
